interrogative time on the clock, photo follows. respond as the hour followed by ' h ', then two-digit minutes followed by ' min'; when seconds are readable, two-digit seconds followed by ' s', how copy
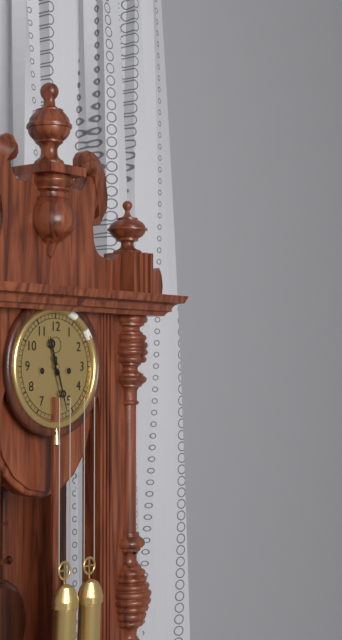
11 h 27 min
